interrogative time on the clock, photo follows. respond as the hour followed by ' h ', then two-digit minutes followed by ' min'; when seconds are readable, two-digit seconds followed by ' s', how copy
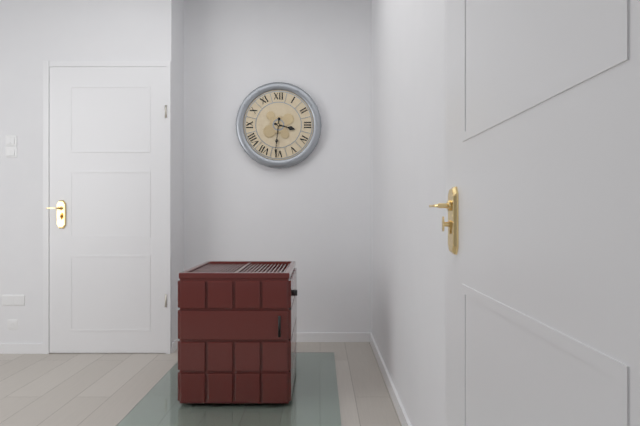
3 h 31 min
